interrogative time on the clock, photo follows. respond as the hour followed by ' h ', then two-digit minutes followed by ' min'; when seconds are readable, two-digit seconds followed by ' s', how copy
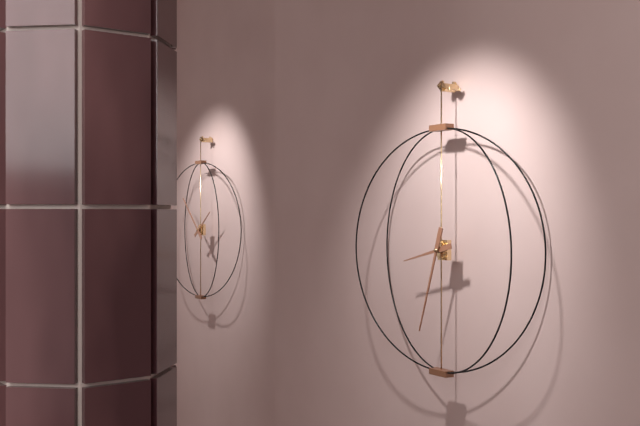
8 h 33 min
